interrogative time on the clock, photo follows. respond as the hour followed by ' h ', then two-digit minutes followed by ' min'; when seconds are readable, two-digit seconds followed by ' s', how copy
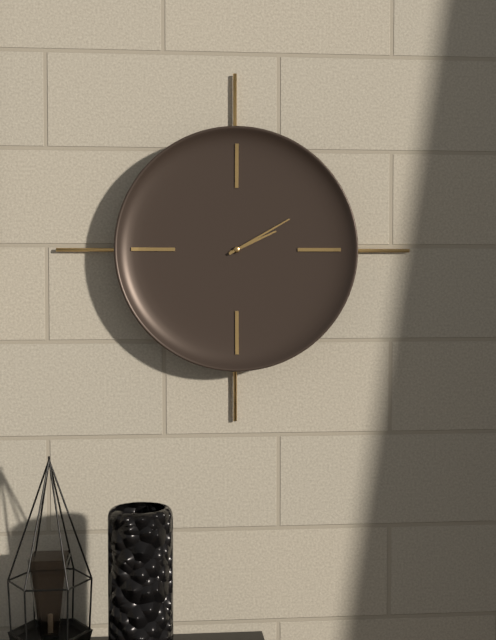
2 h 10 min
